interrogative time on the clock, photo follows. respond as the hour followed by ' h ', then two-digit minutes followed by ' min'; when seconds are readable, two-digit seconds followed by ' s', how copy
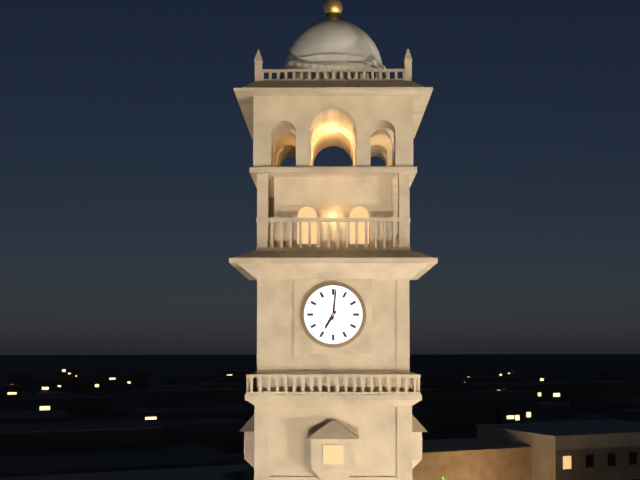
7 h 01 min
